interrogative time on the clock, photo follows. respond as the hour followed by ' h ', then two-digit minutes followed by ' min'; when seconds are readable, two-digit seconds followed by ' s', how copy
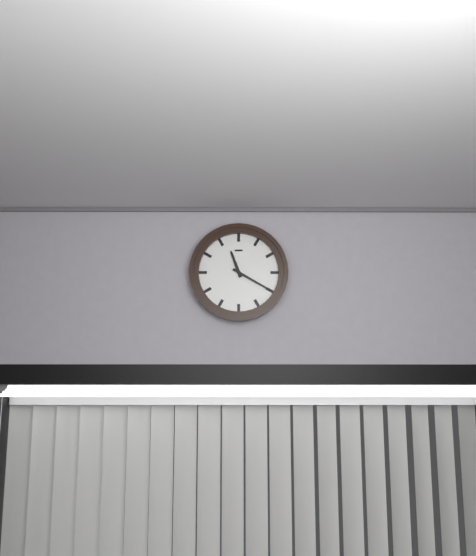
11 h 20 min
